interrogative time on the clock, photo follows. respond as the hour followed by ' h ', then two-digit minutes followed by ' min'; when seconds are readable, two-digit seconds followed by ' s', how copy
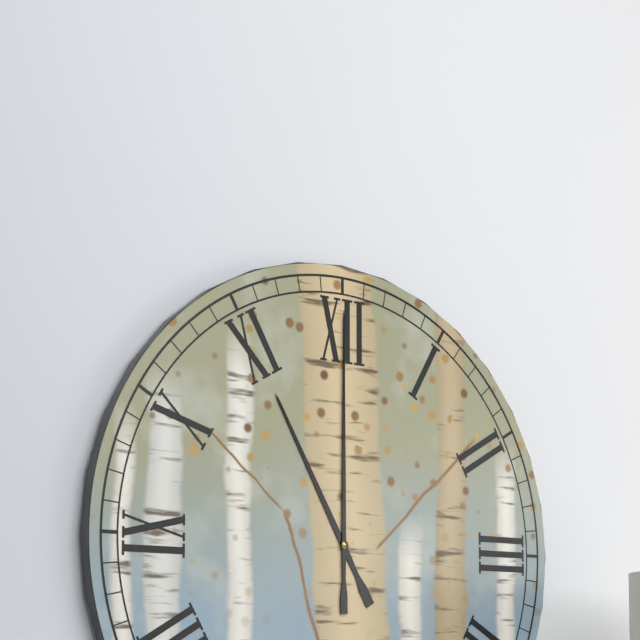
11 h 00 min
